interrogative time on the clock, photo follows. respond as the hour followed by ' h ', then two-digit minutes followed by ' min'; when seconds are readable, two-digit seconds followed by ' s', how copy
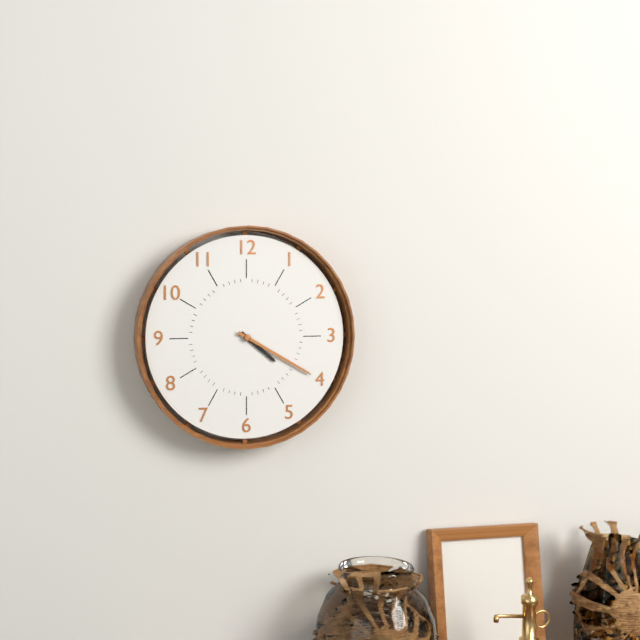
4 h 20 min
